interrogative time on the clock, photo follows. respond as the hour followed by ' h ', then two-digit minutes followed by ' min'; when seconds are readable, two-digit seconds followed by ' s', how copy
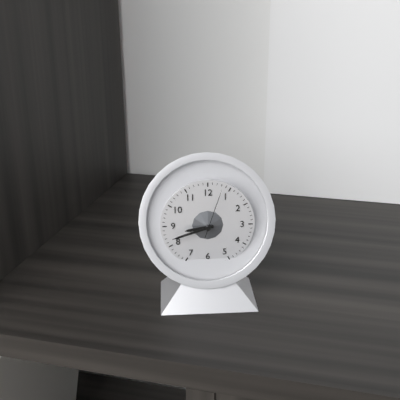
8 h 42 min
